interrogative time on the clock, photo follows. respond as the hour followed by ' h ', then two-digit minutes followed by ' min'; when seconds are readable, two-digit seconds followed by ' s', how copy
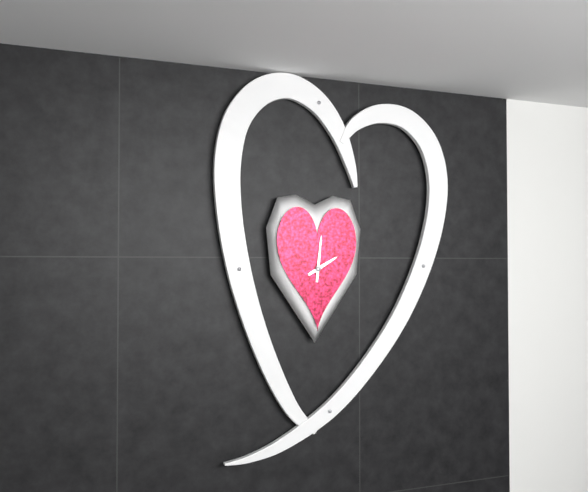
2 h 01 min
